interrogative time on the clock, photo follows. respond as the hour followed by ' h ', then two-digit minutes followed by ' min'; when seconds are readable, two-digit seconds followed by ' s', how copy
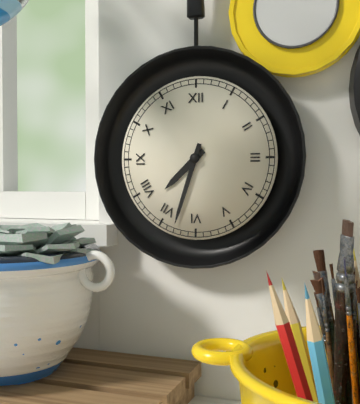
7 h 33 min
